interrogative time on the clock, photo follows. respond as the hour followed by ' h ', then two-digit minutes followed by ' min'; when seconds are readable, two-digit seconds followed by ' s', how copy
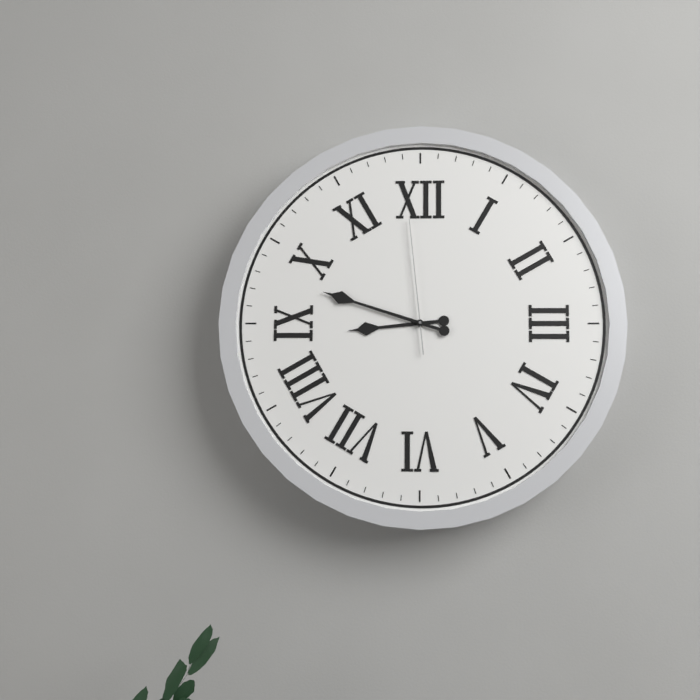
8 h 48 min 59 s
